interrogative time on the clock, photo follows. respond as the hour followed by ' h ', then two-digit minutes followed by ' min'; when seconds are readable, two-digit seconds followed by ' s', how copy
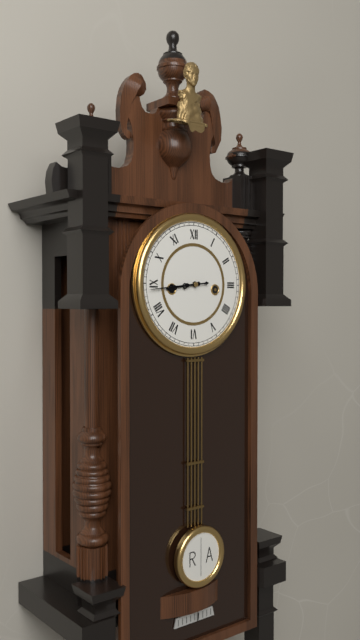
8 h 44 min
